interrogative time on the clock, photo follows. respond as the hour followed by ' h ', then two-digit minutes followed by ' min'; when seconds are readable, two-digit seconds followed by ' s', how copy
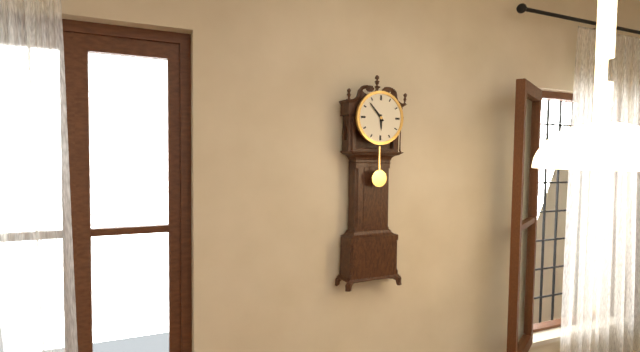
5 h 53 min
